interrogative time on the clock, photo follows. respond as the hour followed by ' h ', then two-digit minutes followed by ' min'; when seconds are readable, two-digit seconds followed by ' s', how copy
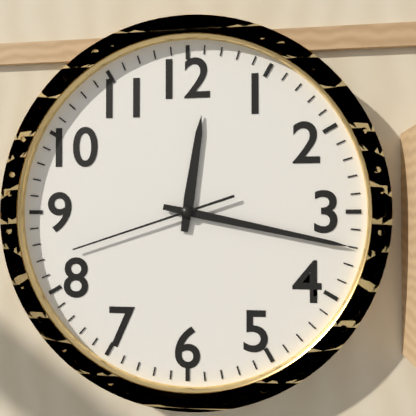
12 h 17 min 42 s
